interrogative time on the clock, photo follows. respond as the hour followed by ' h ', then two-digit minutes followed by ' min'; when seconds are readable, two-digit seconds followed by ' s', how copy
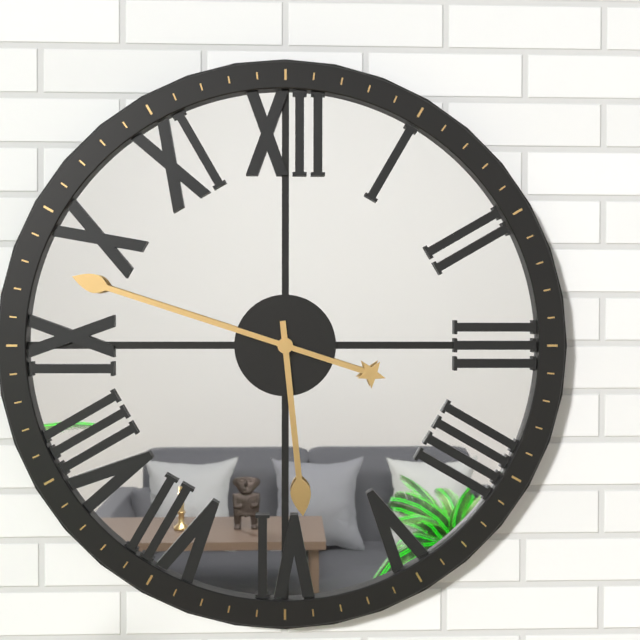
5 h 48 min
